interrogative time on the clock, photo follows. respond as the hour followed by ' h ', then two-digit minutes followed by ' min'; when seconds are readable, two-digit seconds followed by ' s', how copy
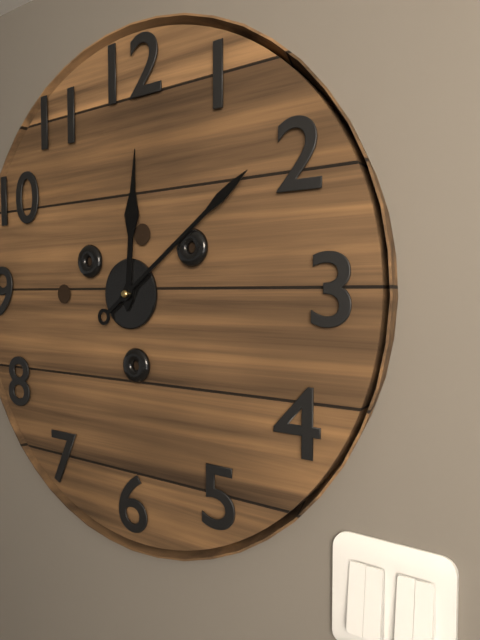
12 h 09 min
